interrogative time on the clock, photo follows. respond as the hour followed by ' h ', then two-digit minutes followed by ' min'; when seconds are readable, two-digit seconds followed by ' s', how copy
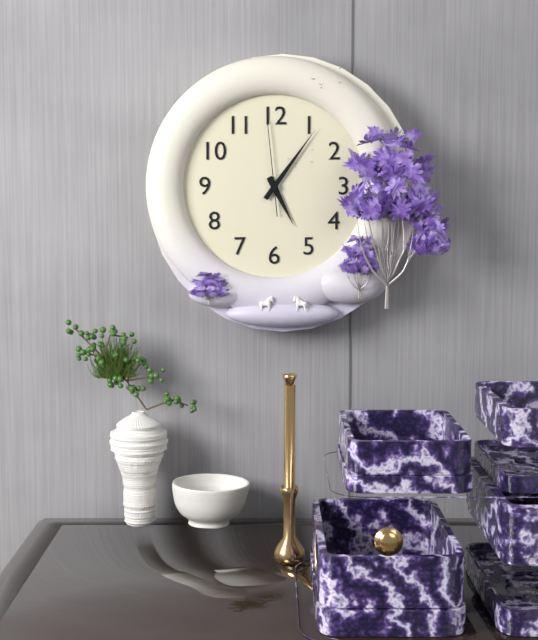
5 h 06 min 59 s
